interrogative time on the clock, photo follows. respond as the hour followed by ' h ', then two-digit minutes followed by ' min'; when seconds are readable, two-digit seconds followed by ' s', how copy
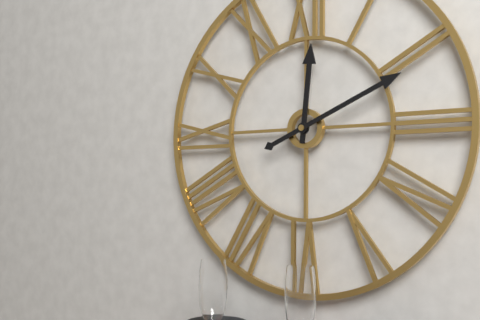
12 h 11 min
